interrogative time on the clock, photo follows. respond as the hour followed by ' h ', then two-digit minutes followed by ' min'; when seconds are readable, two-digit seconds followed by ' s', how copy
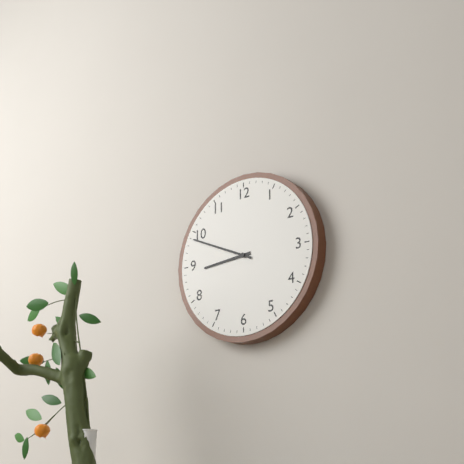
8 h 49 min
